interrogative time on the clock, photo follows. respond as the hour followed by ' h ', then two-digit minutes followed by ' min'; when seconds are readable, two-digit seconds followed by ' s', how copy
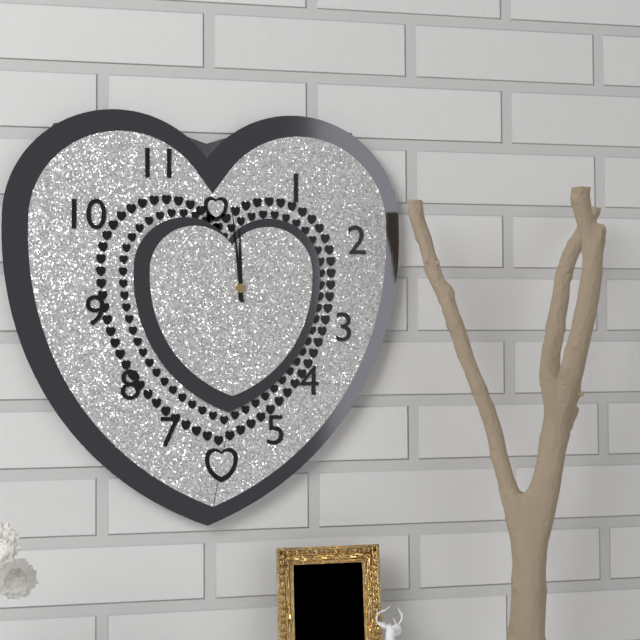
11 h 59 min
